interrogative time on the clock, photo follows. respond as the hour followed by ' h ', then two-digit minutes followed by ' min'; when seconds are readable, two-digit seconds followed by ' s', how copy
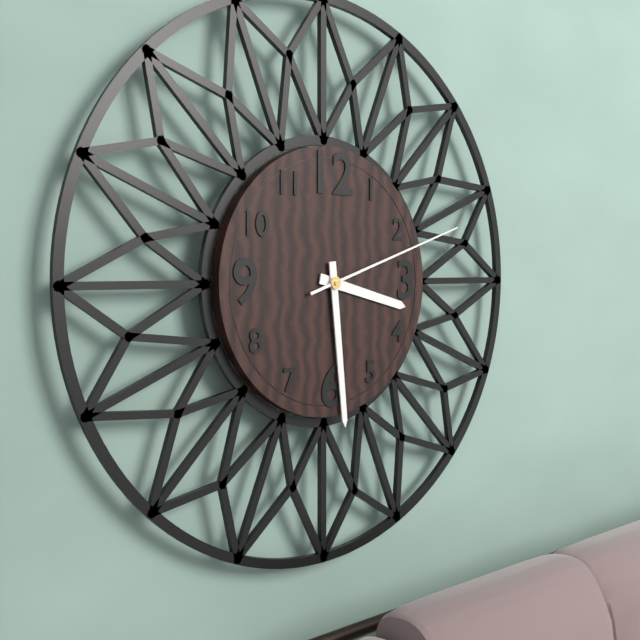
3 h 29 min 12 s
